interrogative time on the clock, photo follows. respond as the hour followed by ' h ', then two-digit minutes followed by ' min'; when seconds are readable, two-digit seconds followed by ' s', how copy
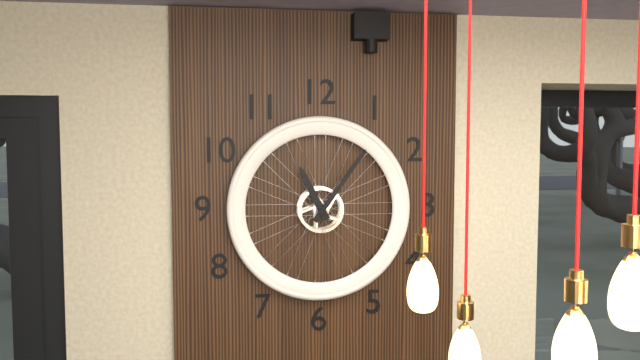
11 h 06 min
